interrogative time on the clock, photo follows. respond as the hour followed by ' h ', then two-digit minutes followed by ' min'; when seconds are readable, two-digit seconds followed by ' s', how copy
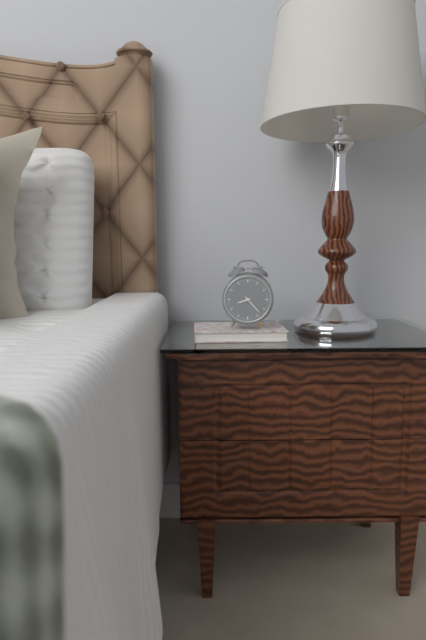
8 h 23 min
